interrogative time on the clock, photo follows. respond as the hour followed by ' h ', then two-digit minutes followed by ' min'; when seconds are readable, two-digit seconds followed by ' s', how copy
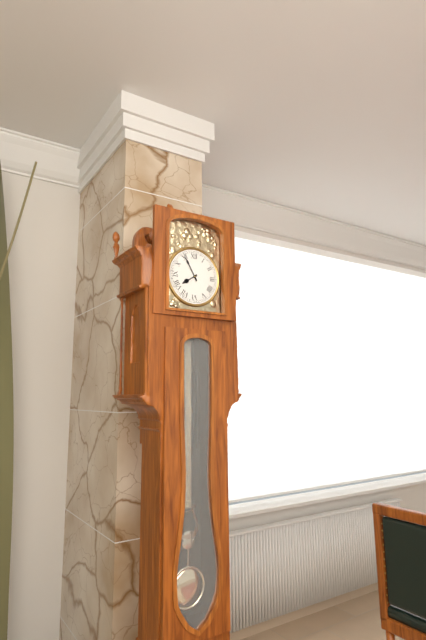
7 h 55 min
